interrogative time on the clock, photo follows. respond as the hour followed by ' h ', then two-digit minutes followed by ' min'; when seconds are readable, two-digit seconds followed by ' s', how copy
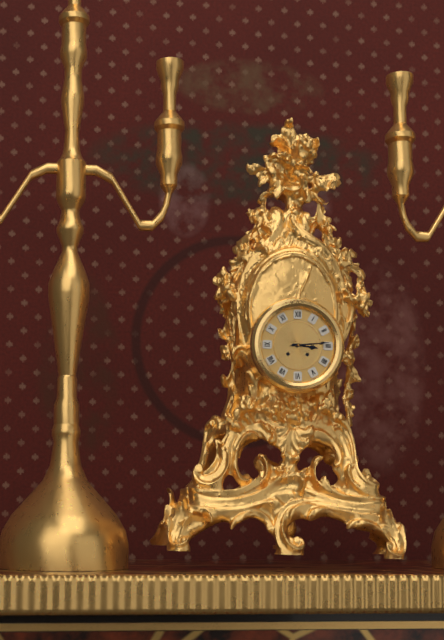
3 h 14 min
